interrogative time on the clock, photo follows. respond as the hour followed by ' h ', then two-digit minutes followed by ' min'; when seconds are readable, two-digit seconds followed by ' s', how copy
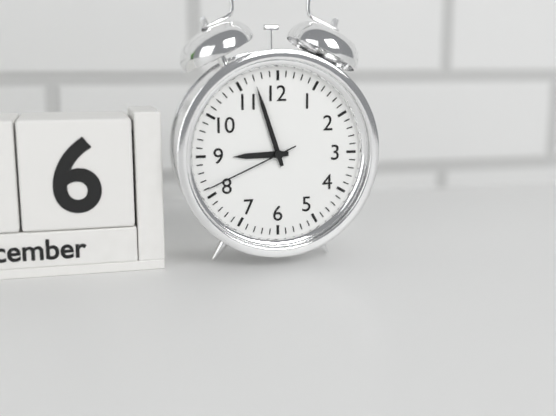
8 h 57 min 41 s
